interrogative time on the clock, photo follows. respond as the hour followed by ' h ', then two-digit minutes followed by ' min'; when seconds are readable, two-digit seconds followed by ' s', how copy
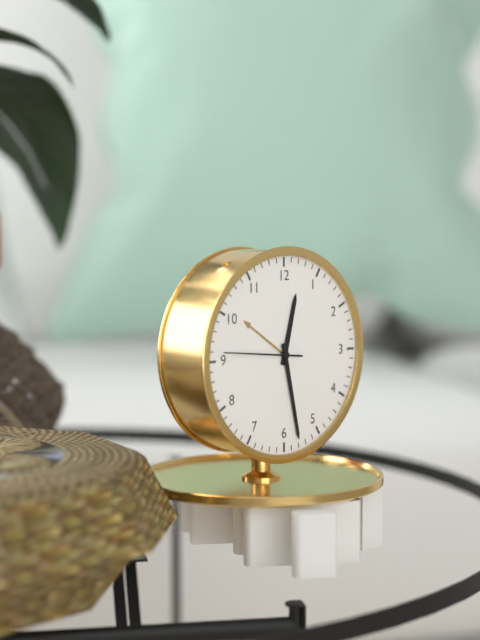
12 h 28 min 46 s
